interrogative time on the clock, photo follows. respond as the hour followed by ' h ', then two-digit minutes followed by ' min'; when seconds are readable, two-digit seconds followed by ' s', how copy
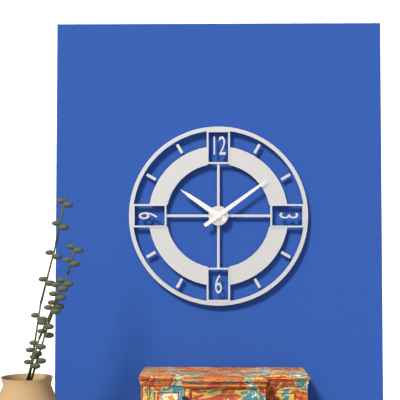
10 h 09 min
